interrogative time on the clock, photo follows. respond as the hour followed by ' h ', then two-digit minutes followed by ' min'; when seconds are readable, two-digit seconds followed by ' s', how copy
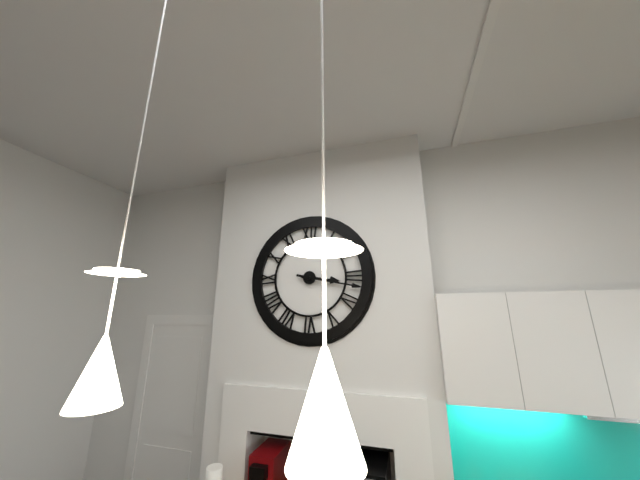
3 h 17 min
